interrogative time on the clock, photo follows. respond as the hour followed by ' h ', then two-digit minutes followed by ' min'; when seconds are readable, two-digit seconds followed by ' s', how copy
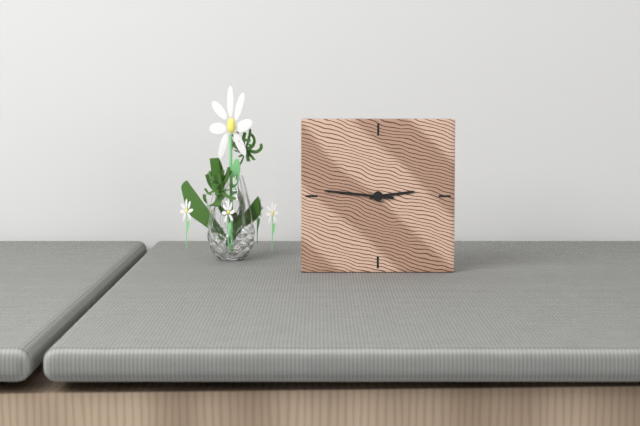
2 h 46 min
